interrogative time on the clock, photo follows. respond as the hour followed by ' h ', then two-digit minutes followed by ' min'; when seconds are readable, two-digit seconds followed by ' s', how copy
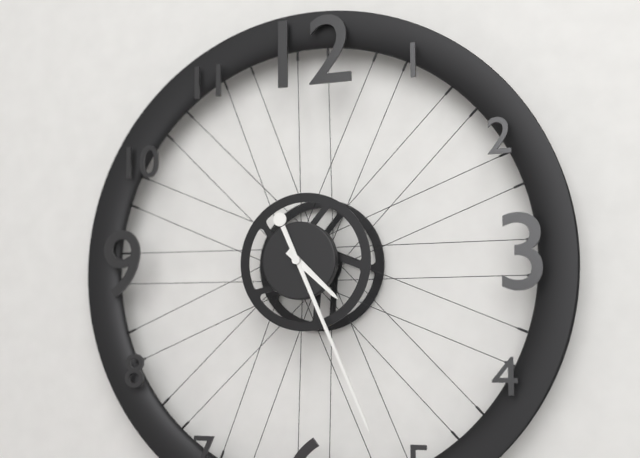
4 h 26 min
